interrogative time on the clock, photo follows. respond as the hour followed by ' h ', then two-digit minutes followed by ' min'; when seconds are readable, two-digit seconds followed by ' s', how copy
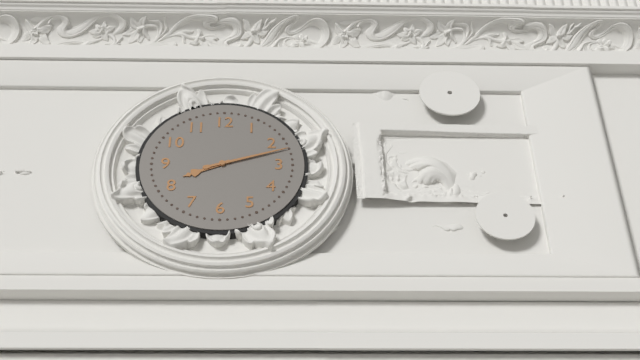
8 h 12 min
